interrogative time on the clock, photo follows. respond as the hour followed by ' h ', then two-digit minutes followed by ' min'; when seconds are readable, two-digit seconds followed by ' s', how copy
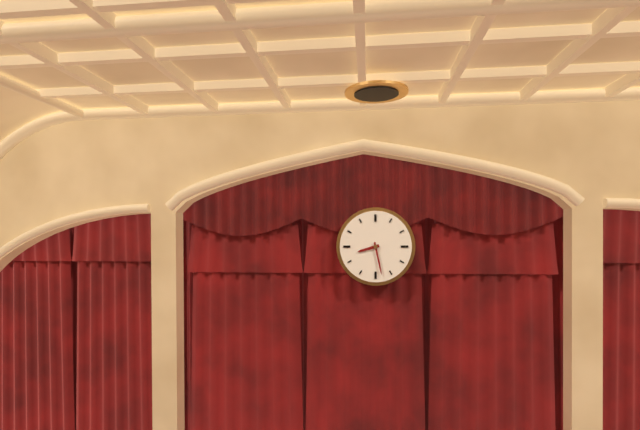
8 h 28 min
